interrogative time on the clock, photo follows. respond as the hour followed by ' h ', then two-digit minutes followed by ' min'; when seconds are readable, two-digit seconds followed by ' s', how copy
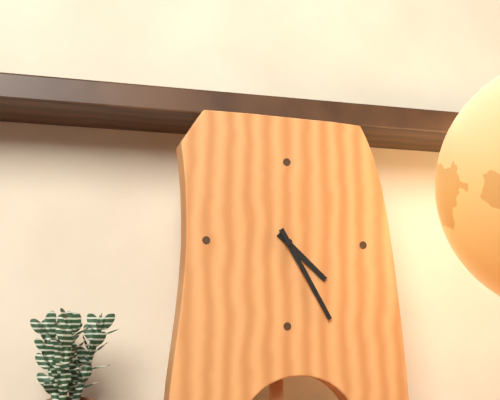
4 h 25 min
